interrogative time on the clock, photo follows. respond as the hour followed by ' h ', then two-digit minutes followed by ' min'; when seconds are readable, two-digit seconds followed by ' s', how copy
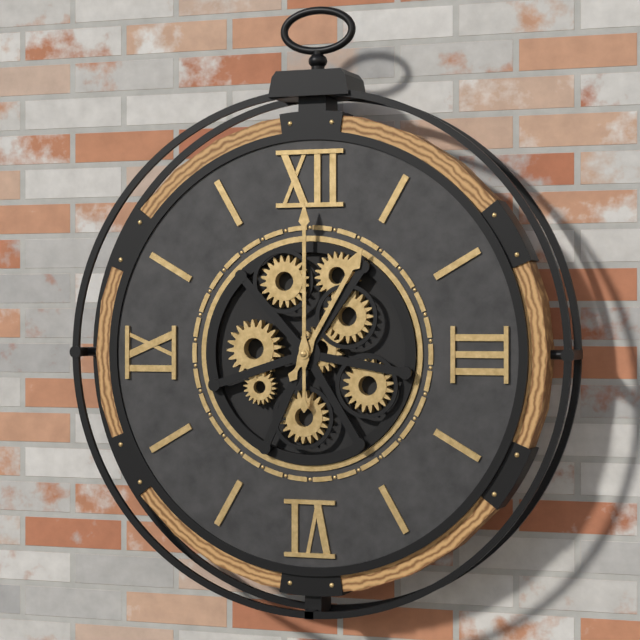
1 h 00 min
